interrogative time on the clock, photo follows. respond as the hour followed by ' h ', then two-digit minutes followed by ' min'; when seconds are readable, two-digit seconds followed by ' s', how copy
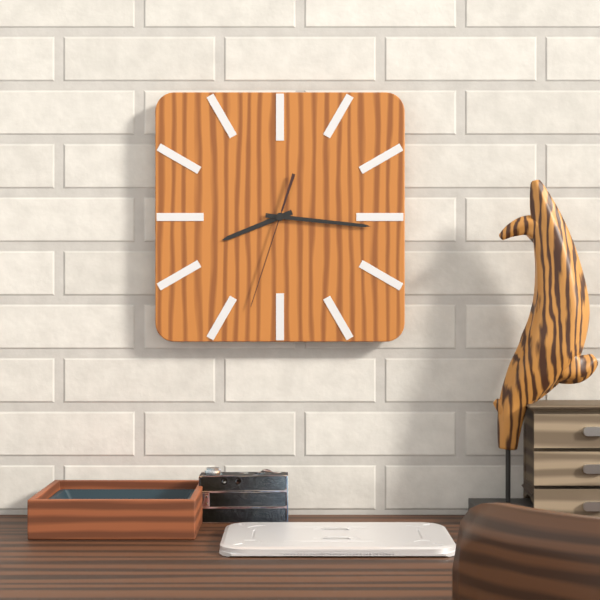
8 h 16 min 33 s
